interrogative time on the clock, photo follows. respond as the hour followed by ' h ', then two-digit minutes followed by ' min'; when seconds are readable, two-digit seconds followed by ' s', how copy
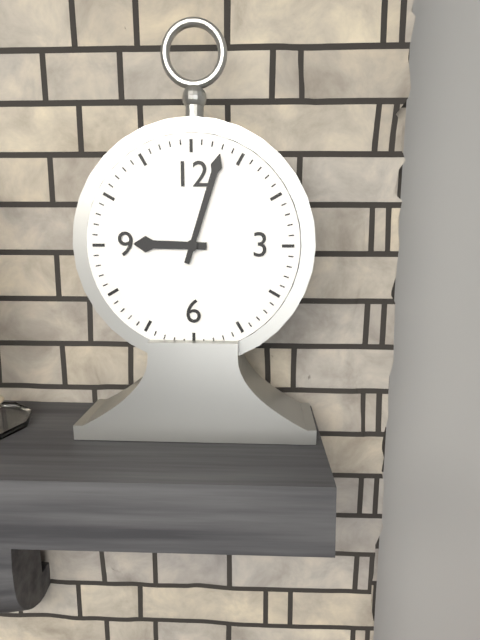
9 h 03 min
